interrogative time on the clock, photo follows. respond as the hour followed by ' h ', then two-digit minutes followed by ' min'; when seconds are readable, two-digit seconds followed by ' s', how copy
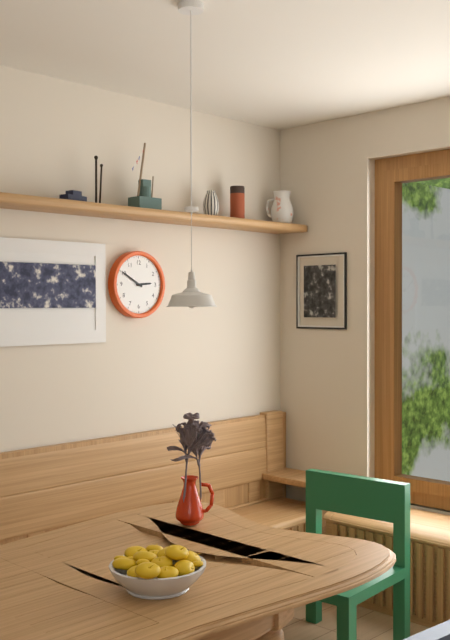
2 h 50 min
